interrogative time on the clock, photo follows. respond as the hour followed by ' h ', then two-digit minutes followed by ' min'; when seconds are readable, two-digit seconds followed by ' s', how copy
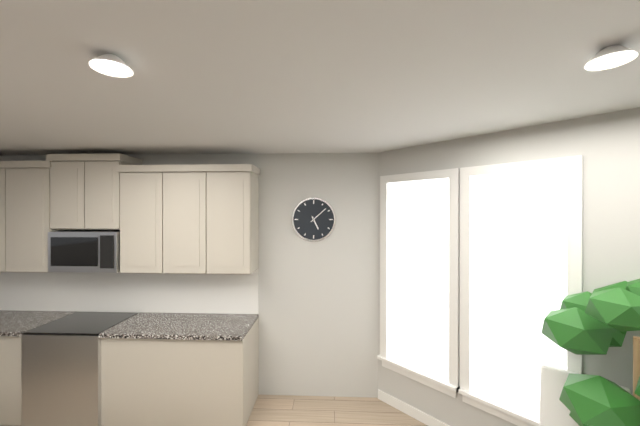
5 h 08 min
